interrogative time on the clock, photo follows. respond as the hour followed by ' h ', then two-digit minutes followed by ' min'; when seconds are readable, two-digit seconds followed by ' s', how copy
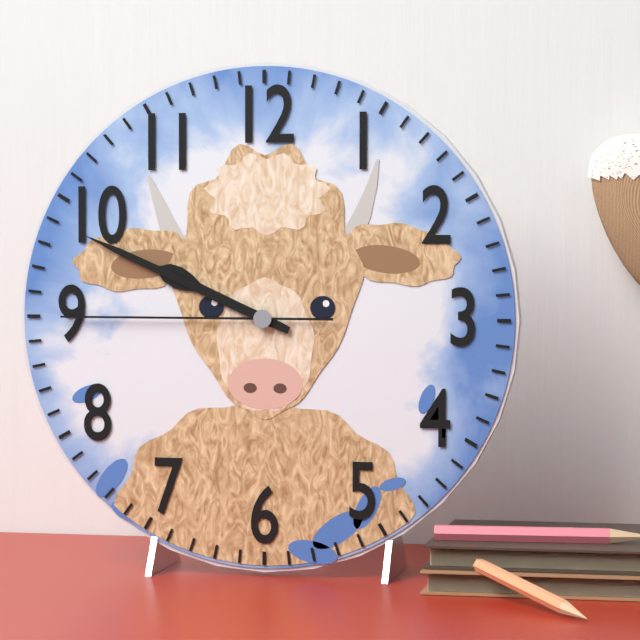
9 h 49 min 45 s
